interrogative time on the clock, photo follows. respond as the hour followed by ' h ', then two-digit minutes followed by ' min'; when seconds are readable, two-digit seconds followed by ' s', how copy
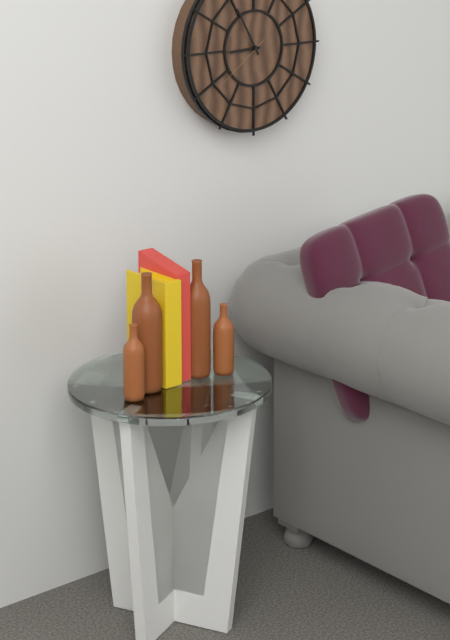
8 h 55 min 39 s
